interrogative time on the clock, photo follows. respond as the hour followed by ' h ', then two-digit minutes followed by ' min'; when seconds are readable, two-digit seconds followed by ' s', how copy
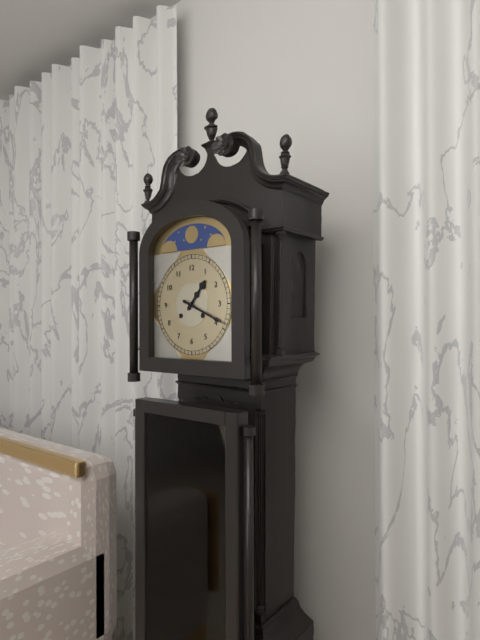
1 h 19 min
